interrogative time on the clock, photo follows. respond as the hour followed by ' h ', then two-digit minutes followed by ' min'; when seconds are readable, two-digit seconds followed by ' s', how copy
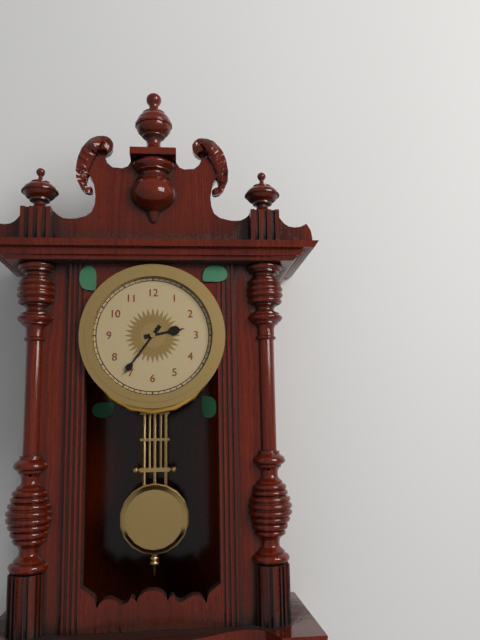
2 h 36 min
